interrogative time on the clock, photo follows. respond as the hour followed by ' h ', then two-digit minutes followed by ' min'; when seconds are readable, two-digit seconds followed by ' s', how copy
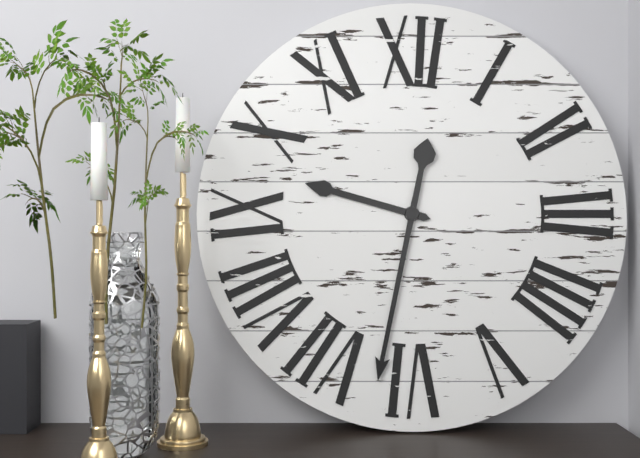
9 h 32 min
